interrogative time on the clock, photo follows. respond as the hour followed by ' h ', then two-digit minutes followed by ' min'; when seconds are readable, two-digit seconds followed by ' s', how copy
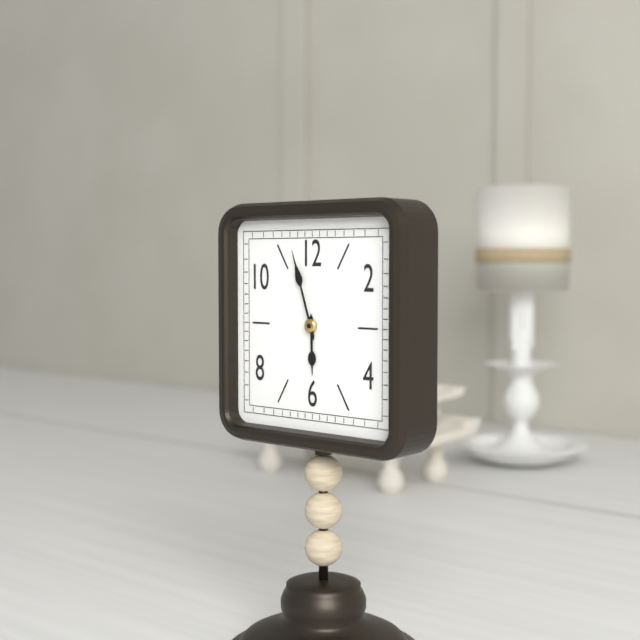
5 h 57 min
